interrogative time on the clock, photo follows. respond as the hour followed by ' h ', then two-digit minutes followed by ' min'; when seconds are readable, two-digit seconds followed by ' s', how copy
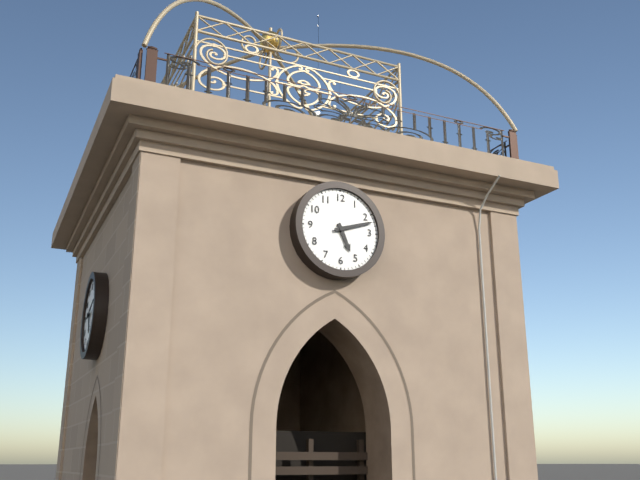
5 h 12 min
